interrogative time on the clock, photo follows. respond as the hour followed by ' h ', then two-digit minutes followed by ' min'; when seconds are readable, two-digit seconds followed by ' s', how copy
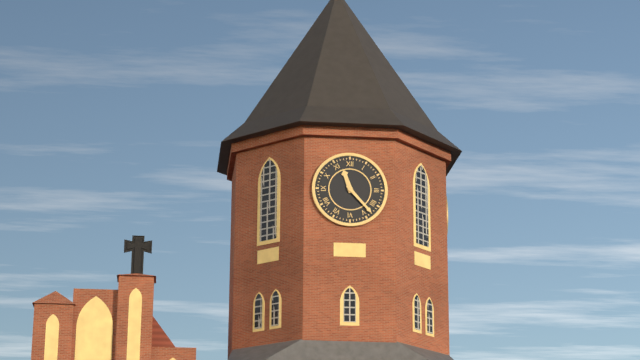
11 h 23 min
